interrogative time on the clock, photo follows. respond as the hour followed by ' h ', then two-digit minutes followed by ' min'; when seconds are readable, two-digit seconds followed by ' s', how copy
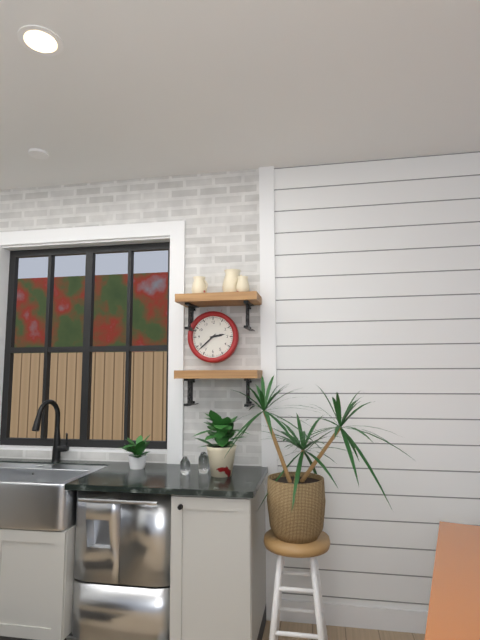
2 h 38 min
